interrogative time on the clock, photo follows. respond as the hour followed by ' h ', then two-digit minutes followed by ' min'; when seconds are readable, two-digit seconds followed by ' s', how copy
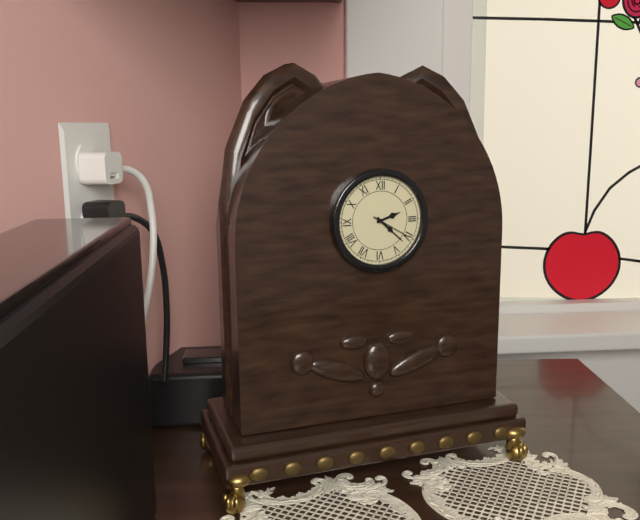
2 h 22 min
